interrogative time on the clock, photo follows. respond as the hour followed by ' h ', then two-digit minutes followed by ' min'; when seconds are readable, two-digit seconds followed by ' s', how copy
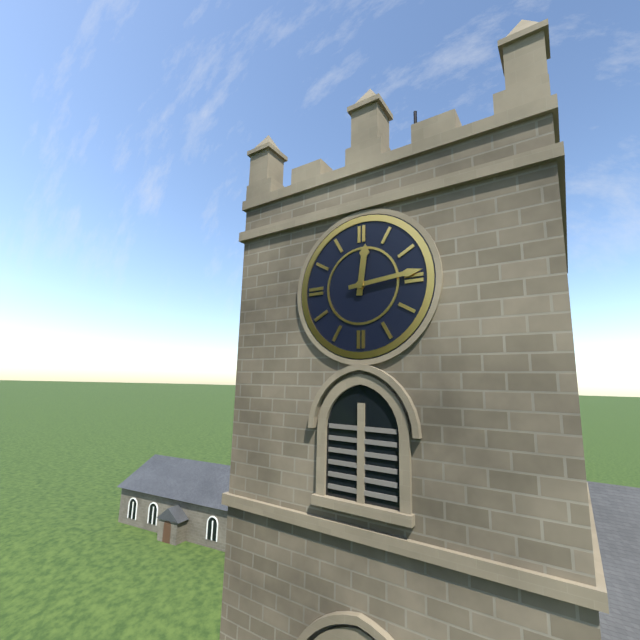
12 h 14 min
